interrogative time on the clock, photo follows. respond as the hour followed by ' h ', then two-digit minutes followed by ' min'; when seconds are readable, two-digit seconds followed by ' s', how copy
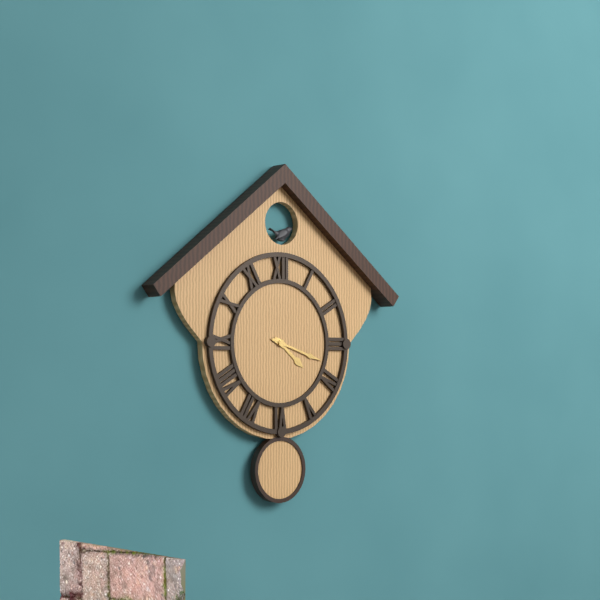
4 h 18 min
